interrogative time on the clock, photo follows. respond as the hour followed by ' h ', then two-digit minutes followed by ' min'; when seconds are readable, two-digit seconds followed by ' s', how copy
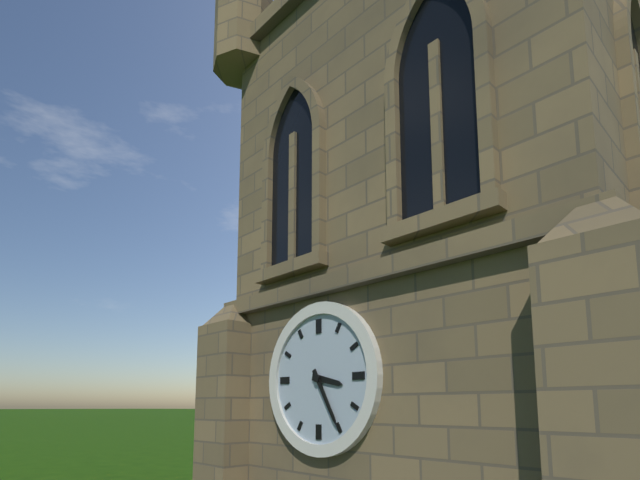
3 h 25 min
